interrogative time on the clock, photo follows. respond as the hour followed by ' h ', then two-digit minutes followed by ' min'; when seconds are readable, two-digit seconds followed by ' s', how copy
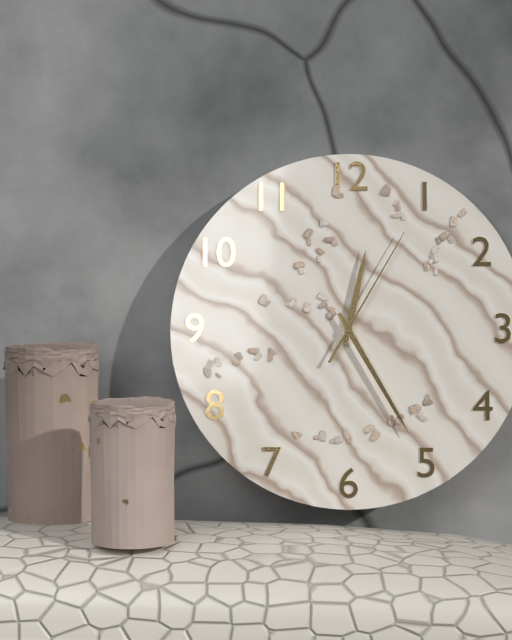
12 h 25 min 05 s
